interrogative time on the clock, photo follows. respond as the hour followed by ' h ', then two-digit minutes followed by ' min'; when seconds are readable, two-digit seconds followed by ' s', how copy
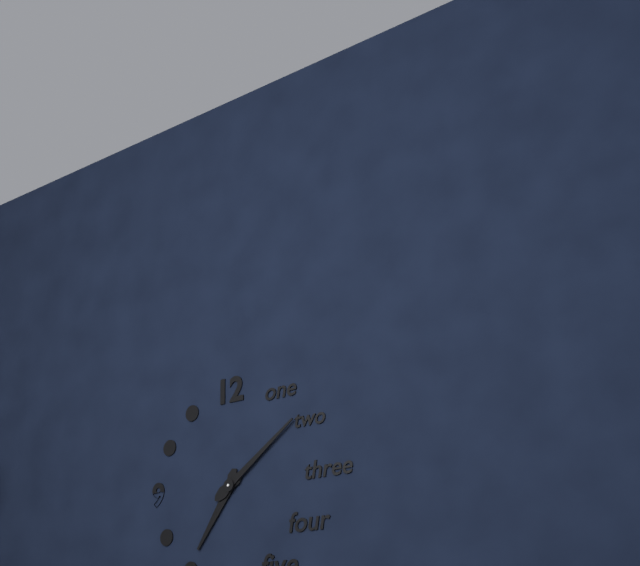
7 h 09 min
